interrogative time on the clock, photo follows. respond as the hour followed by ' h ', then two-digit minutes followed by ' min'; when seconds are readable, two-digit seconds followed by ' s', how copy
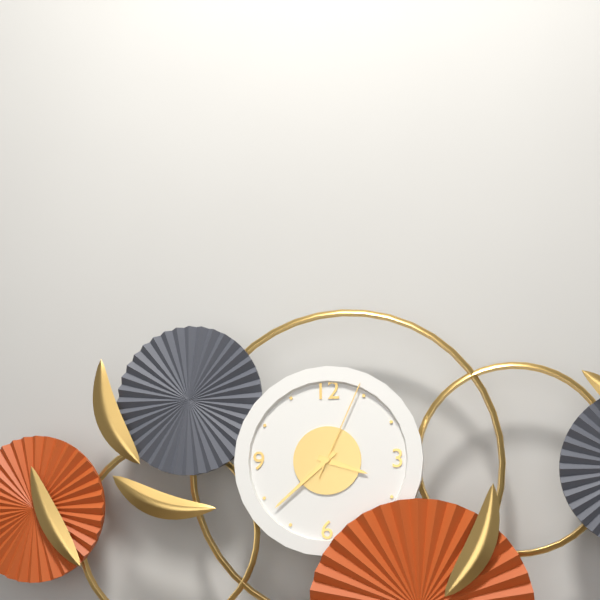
3 h 38 min 04 s
